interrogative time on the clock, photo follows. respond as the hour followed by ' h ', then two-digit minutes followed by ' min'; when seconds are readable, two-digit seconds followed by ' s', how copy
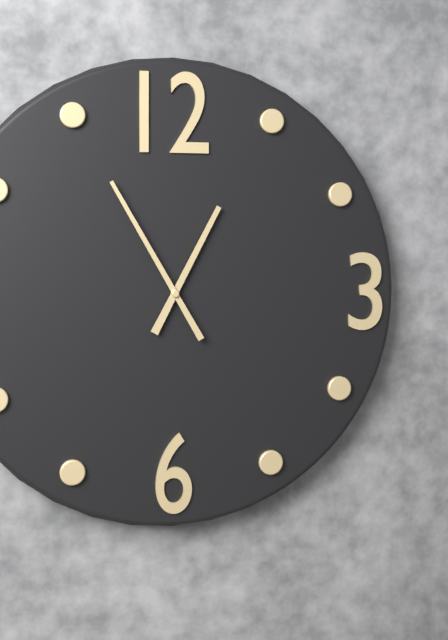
12 h 55 min
